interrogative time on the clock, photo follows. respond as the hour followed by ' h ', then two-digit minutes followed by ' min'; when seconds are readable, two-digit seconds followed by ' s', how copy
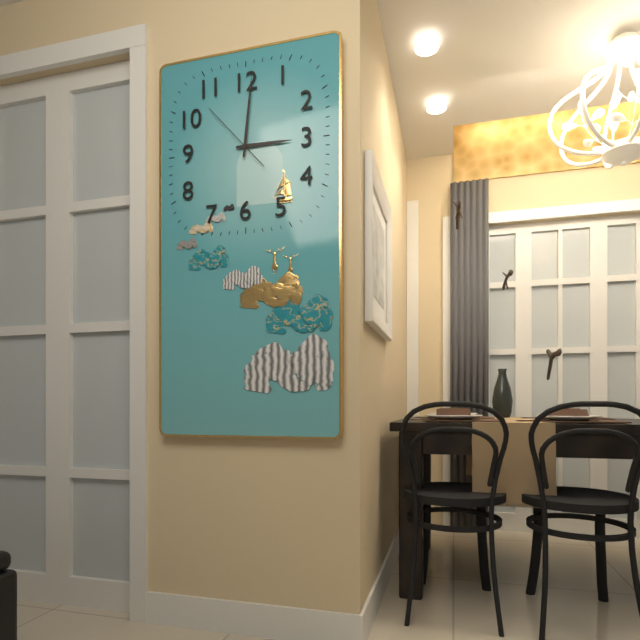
3 h 01 min 53 s
